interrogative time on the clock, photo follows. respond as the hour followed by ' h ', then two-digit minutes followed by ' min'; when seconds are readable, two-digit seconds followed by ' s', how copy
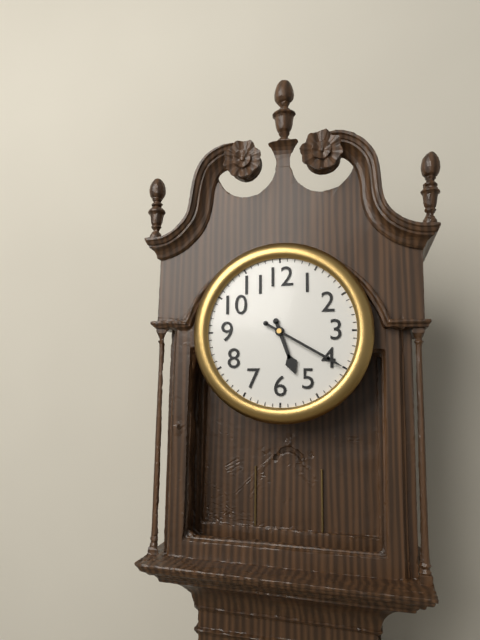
5 h 20 min
